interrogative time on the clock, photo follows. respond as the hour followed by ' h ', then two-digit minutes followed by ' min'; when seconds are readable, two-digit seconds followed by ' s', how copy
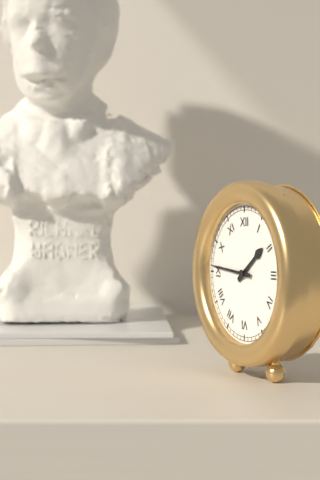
1 h 46 min
